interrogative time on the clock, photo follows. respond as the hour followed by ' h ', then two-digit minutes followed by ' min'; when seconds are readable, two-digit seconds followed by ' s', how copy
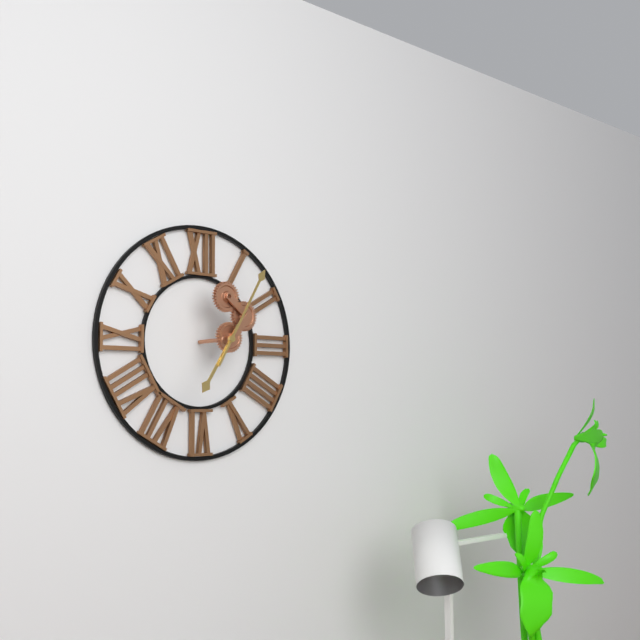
7 h 05 min
